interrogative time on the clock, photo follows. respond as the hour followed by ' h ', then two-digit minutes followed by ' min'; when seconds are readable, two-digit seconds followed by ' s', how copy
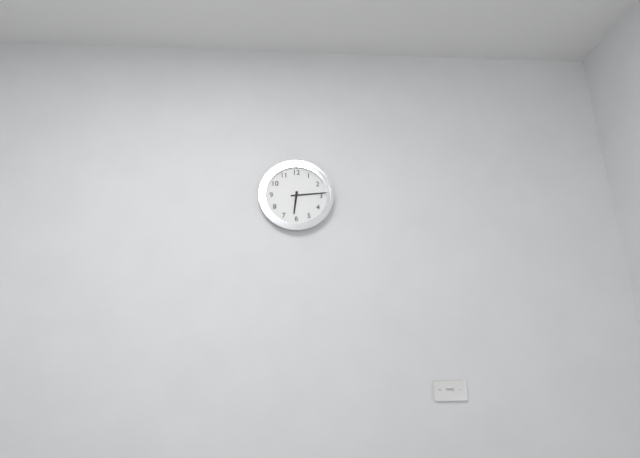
6 h 14 min
